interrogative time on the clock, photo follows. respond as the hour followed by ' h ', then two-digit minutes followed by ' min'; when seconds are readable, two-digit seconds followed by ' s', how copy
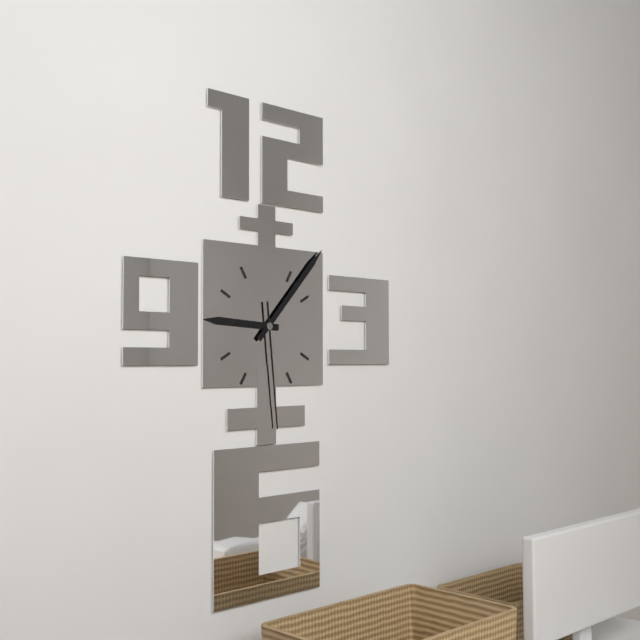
9 h 07 min 29 s
